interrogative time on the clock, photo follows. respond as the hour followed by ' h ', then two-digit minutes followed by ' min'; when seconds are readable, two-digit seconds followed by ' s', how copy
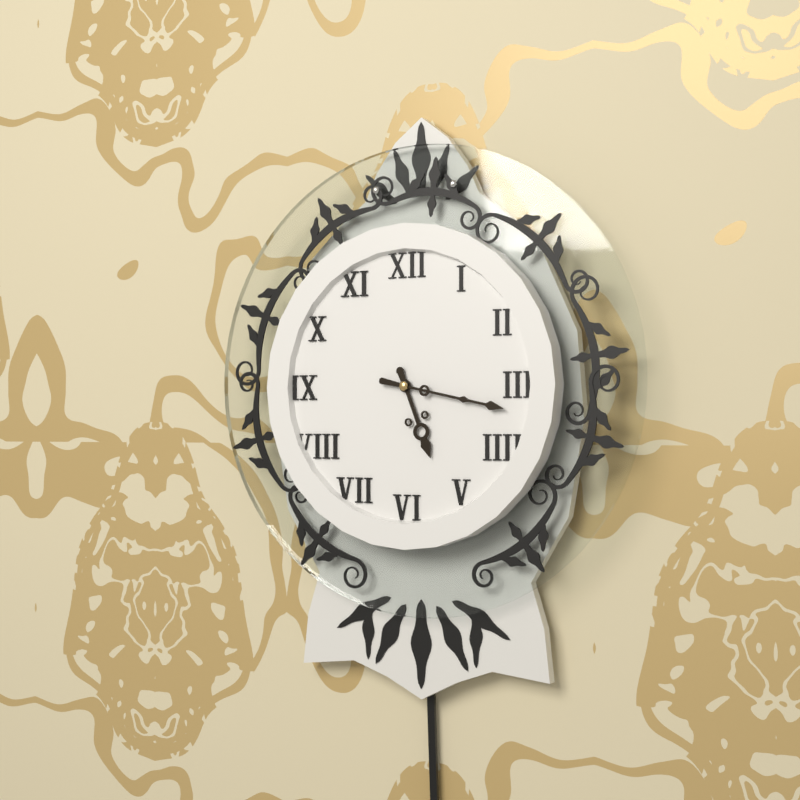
5 h 17 min
